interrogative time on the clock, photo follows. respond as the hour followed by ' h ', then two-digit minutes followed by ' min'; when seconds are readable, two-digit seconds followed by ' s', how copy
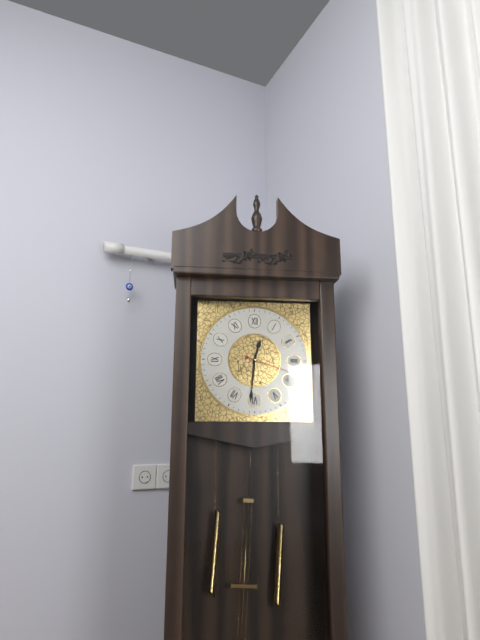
12 h 31 min 18 s
